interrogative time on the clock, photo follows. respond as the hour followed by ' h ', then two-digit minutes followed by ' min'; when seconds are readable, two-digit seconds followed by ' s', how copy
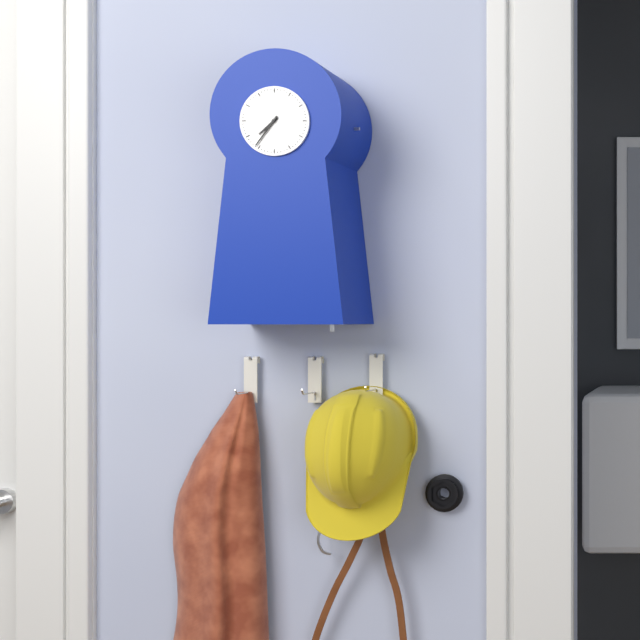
7 h 36 min
